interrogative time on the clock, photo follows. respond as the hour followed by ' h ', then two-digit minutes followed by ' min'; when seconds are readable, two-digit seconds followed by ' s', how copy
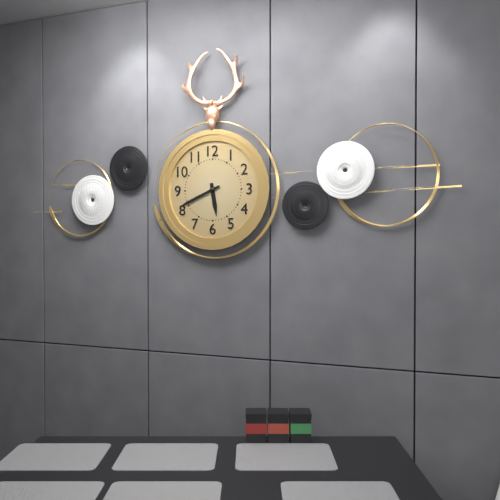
5 h 41 min
